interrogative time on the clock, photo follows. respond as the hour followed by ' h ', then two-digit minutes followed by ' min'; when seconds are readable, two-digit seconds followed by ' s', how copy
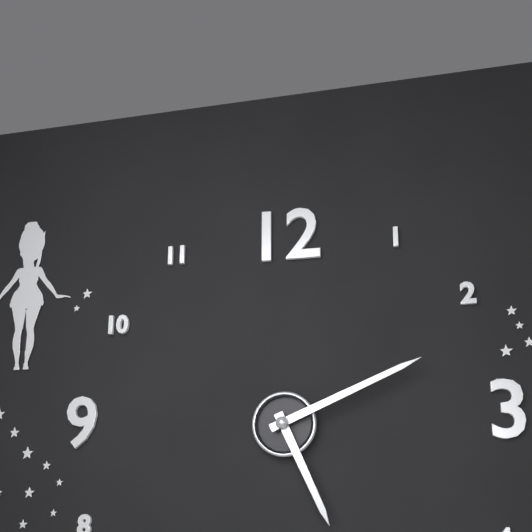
5 h 11 min
